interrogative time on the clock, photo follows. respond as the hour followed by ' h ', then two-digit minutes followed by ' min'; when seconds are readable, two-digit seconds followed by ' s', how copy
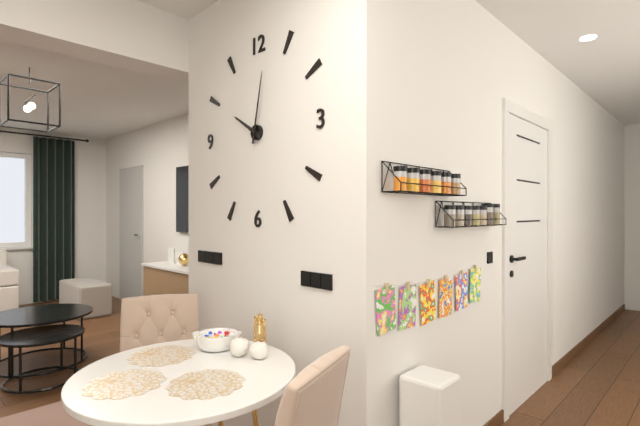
10 h 02 min
